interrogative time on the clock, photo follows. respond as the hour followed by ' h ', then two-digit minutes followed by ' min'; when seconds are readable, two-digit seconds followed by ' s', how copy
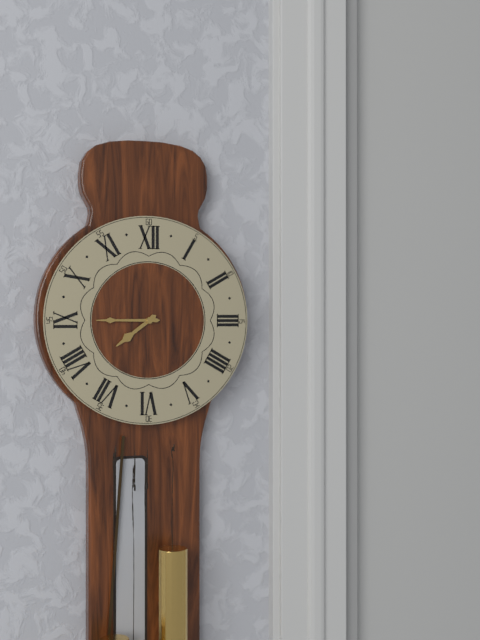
7 h 45 min
